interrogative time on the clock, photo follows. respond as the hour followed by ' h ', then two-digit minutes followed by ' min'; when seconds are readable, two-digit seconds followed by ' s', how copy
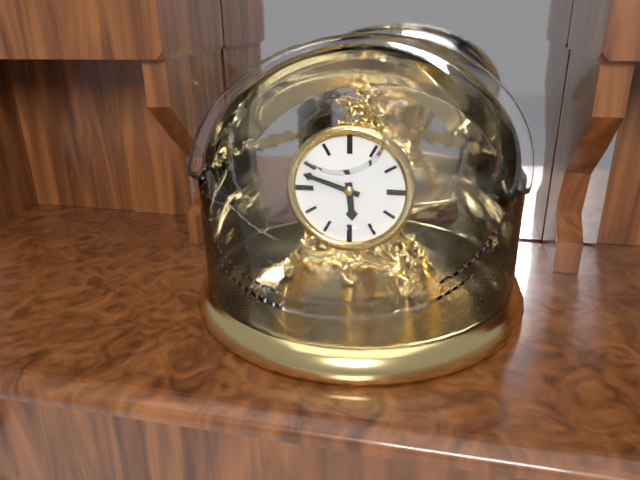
5 h 48 min
